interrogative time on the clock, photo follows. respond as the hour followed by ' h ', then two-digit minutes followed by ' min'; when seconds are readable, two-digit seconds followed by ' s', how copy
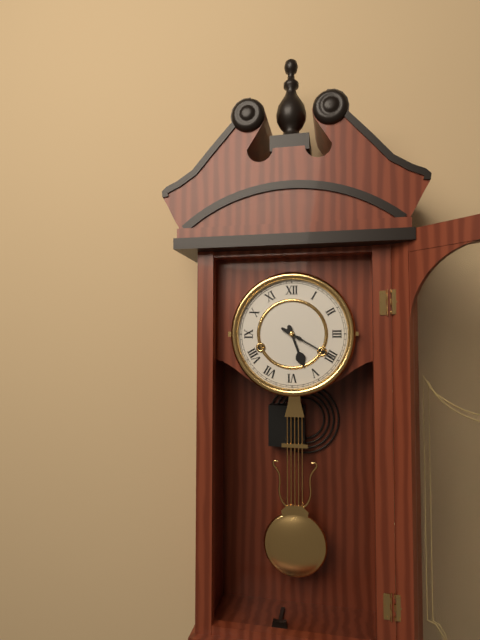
5 h 20 min
